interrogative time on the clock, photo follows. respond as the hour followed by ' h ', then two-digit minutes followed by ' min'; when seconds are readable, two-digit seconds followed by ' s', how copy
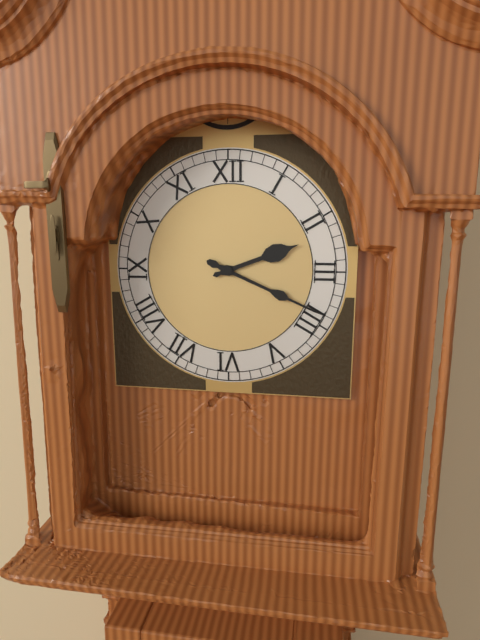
2 h 19 min
